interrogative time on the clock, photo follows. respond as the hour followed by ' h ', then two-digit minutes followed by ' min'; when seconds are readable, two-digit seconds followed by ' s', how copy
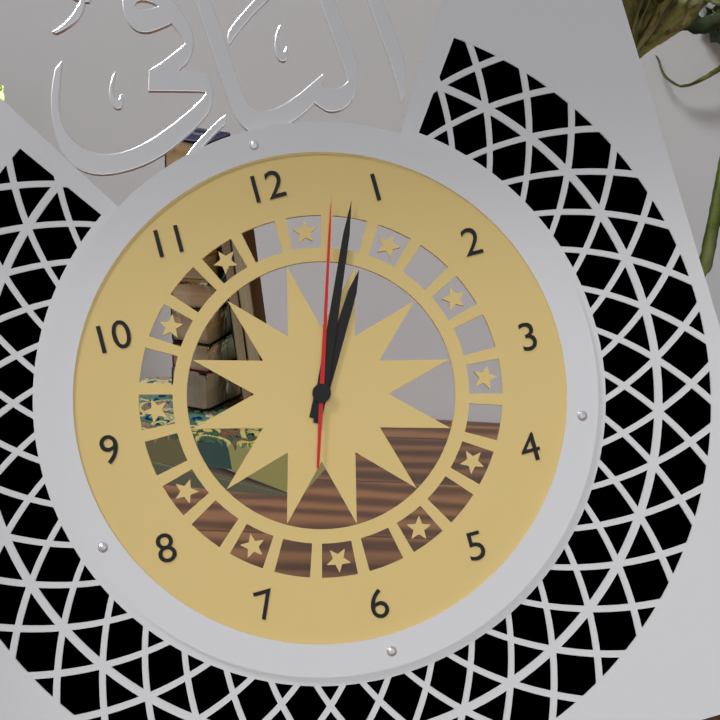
1 h 04 min 03 s
